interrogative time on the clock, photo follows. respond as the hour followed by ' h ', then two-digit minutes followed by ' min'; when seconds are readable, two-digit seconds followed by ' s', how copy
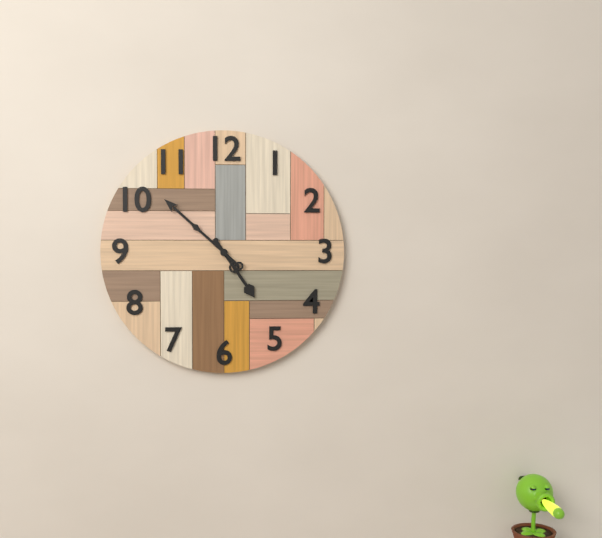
4 h 52 min
